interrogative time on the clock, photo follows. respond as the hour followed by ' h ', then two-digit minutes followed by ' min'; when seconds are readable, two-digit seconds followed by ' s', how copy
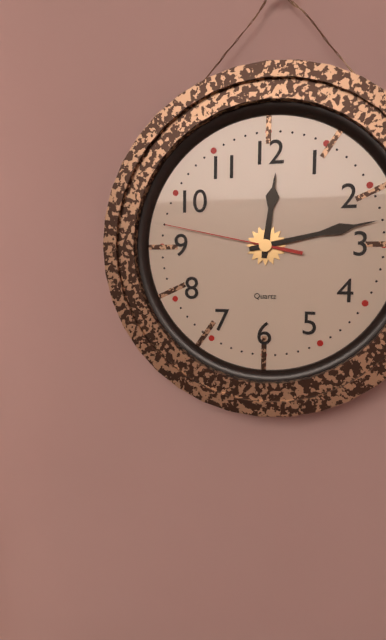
12 h 13 min 47 s
